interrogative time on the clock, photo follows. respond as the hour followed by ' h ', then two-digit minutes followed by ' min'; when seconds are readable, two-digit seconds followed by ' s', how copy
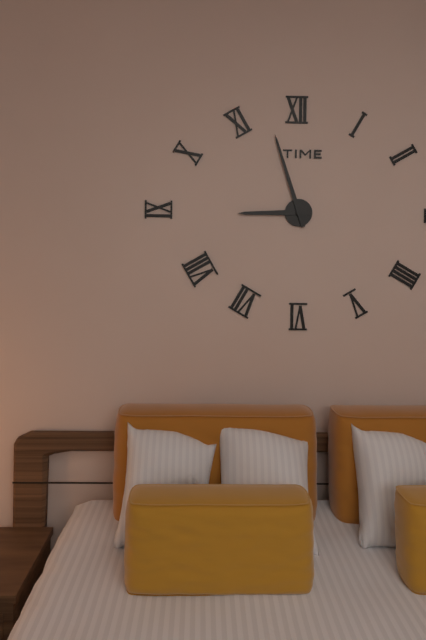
8 h 57 min
